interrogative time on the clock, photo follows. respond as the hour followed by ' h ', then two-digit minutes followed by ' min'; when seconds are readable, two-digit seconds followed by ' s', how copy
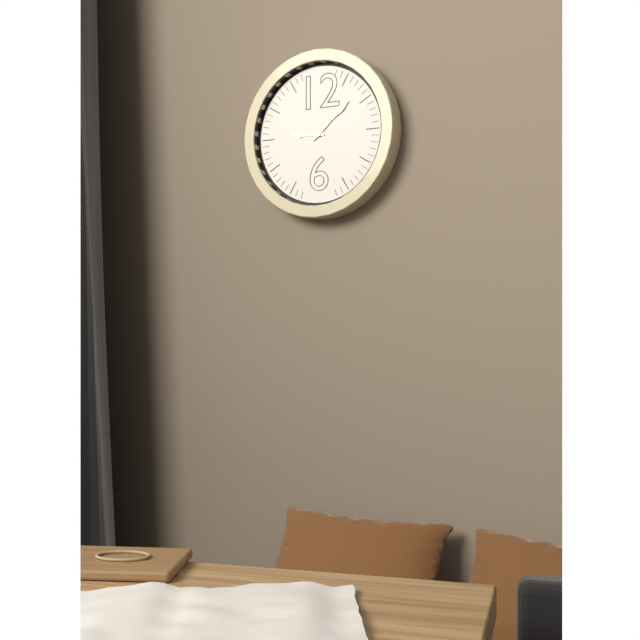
9 h 08 min
